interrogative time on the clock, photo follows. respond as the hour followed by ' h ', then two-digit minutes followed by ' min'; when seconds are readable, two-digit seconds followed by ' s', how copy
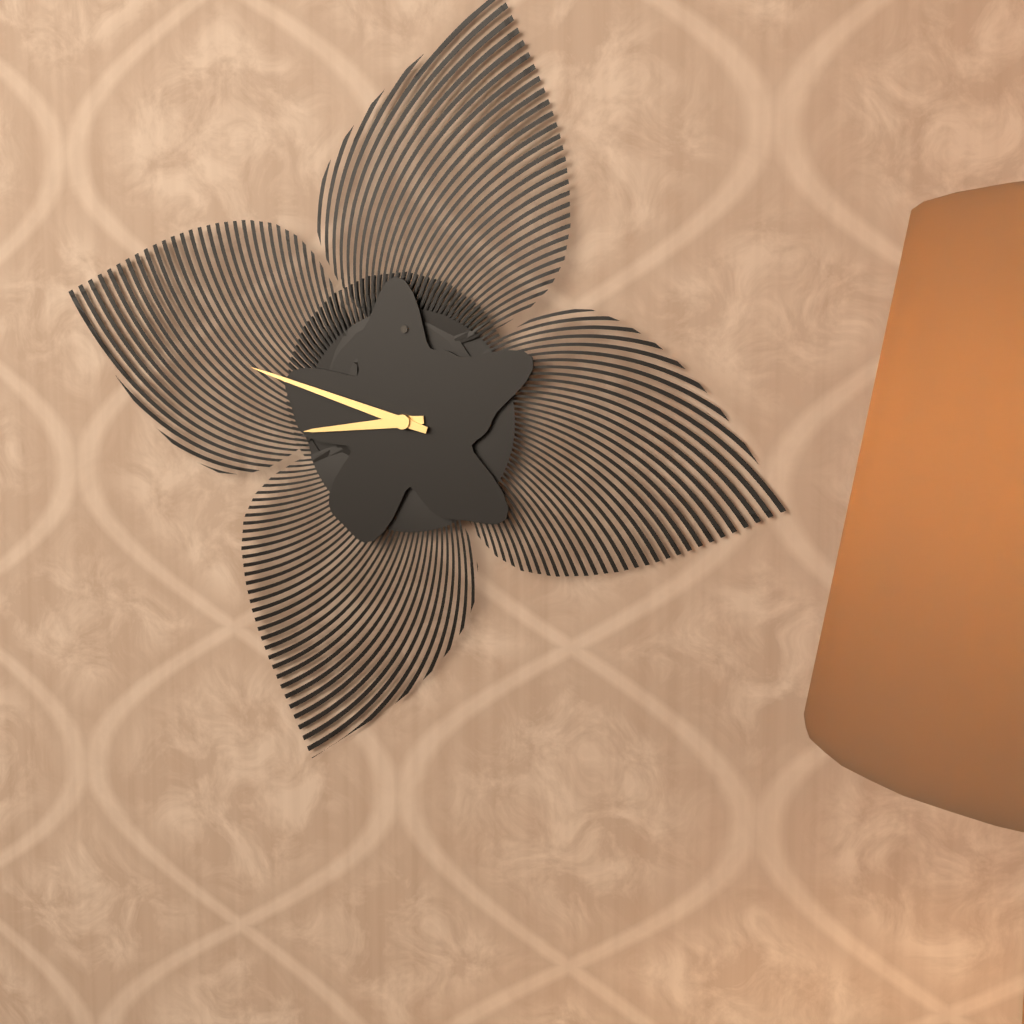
8 h 48 min
